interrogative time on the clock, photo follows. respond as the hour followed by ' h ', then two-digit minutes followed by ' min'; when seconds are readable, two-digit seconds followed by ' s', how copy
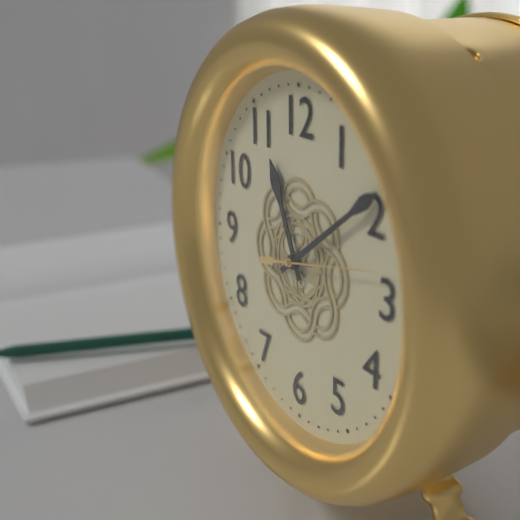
11 h 09 min 13 s
